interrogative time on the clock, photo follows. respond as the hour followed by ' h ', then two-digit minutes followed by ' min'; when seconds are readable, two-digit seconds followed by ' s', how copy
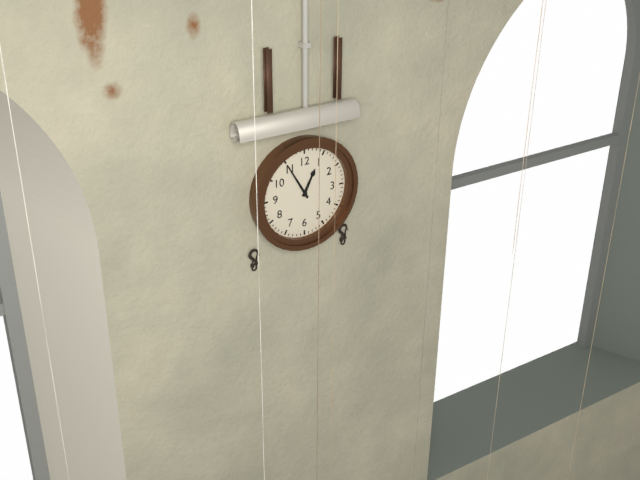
12 h 55 min
